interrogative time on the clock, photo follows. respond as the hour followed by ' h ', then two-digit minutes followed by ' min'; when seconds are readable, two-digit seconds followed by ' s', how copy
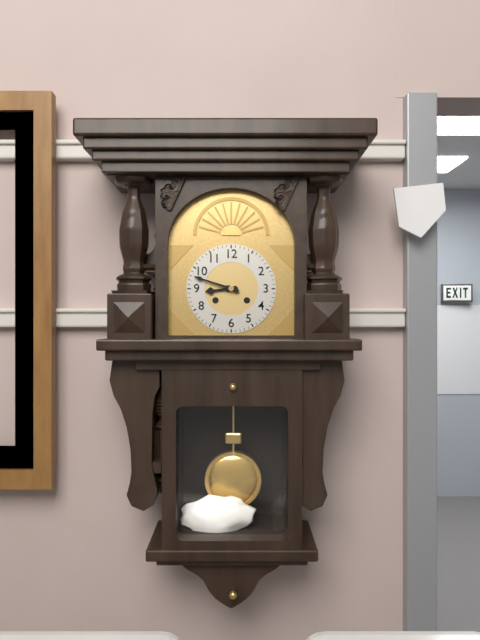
8 h 48 min
